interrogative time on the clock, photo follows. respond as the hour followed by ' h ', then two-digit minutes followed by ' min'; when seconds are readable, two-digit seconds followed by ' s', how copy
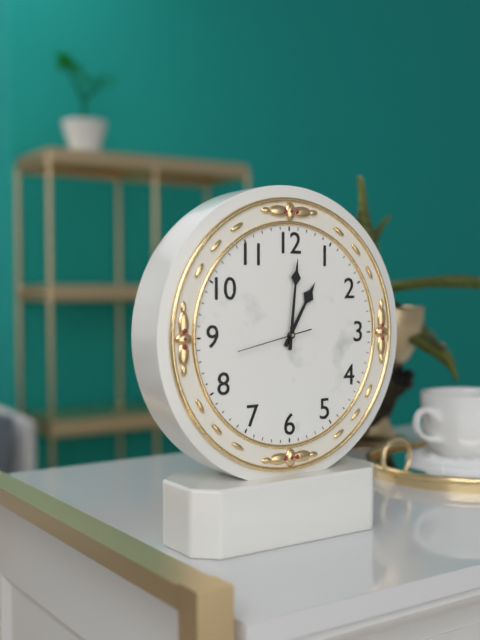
1 h 01 min 43 s
